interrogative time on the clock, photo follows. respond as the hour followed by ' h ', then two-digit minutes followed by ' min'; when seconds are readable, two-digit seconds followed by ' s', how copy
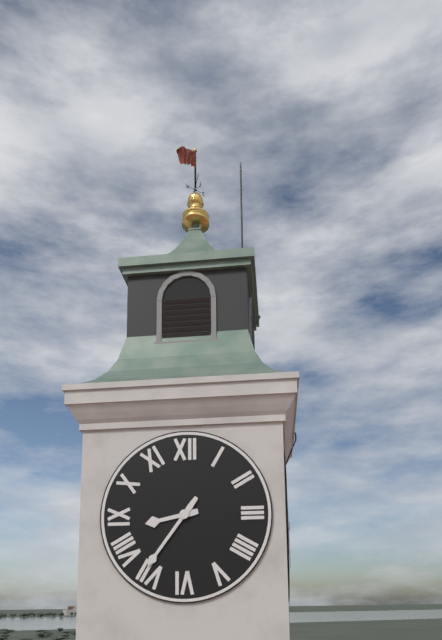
8 h 36 min
